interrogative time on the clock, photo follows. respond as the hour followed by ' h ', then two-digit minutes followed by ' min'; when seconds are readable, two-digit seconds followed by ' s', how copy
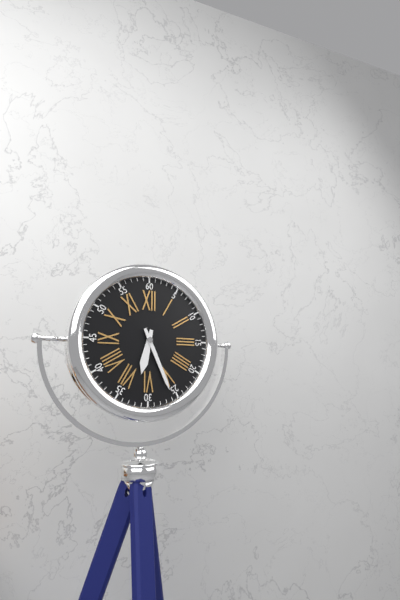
6 h 26 min
